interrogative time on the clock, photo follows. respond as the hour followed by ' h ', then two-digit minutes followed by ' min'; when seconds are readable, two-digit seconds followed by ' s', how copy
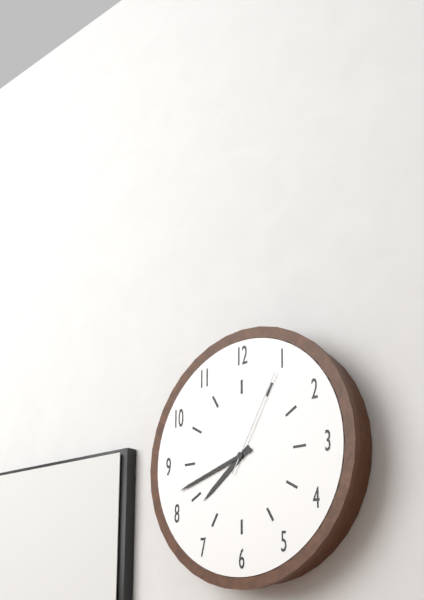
7 h 42 min 05 s
